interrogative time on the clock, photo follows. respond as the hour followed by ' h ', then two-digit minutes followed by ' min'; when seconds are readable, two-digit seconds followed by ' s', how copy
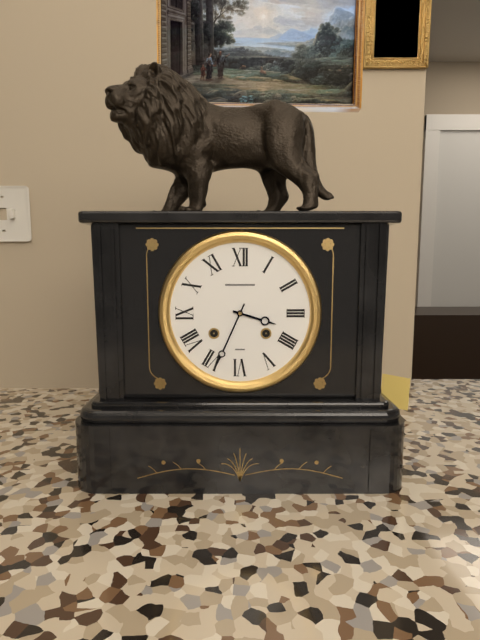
3 h 34 min
